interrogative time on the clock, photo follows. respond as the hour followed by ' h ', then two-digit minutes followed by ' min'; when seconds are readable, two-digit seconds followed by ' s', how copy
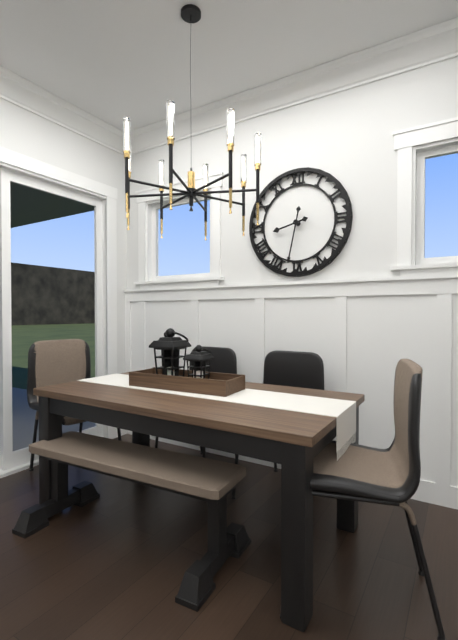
8 h 32 min
